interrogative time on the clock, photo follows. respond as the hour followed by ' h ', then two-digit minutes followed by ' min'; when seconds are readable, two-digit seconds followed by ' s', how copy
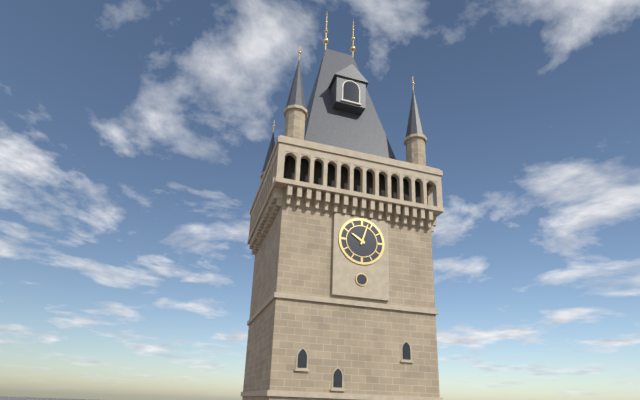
10 h 03 min
